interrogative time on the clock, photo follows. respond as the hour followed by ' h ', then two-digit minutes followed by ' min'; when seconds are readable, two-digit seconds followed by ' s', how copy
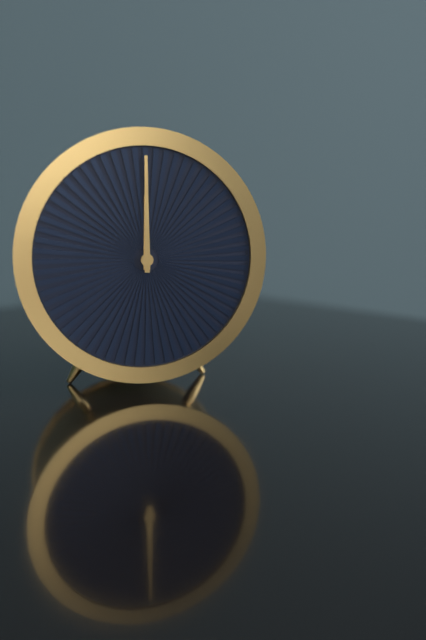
12 h 00 min
